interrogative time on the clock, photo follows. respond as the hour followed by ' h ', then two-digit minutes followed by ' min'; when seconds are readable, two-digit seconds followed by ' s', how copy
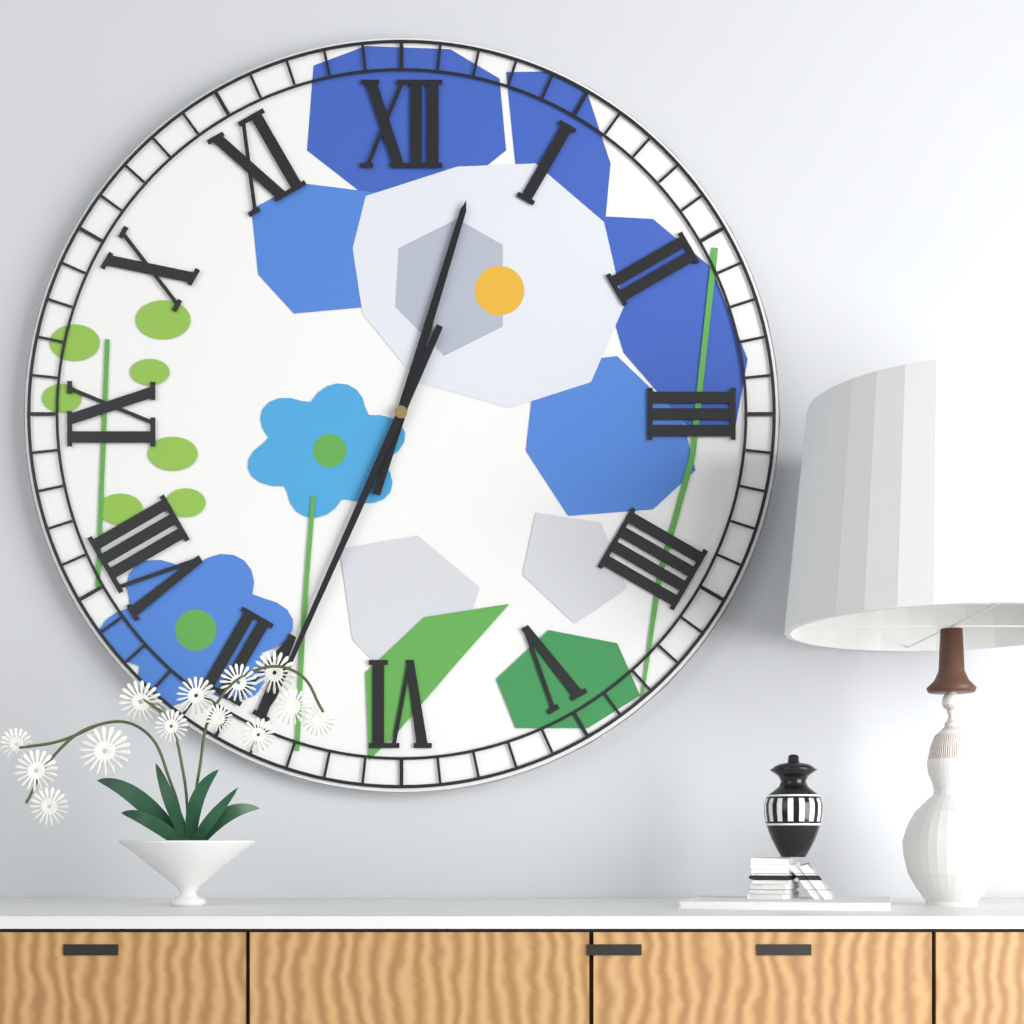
12 h 34 min
